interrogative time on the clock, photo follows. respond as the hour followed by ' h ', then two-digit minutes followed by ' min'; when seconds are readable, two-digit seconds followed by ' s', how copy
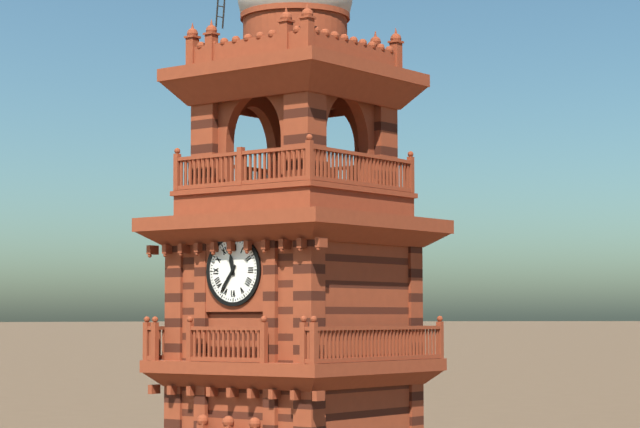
11 h 36 min
